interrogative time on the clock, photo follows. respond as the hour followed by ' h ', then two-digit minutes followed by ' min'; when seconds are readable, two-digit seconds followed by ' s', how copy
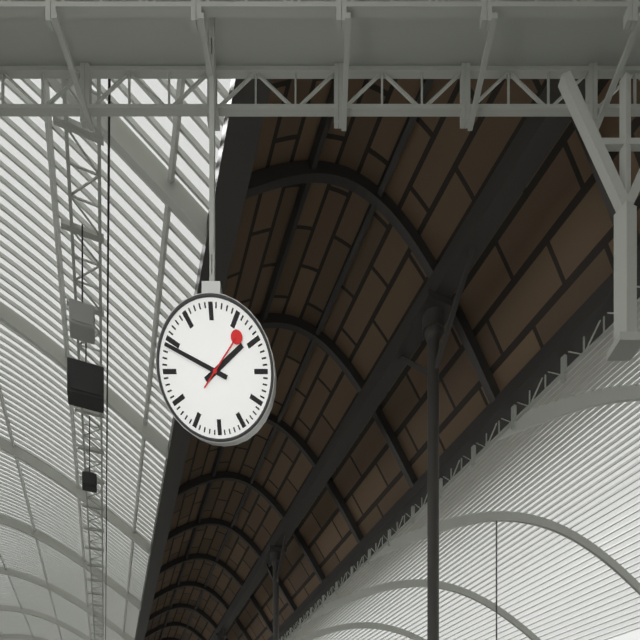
1 h 49 min 07 s
